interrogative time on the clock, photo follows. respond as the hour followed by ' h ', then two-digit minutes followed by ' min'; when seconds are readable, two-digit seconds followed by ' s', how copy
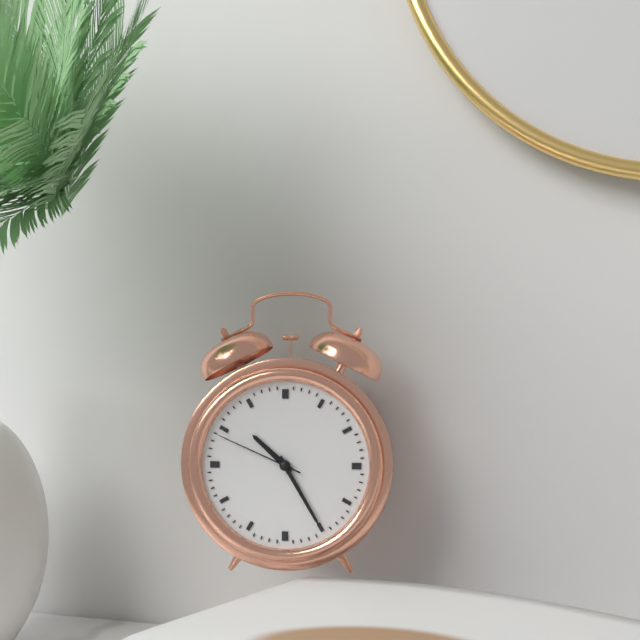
10 h 25 min 49 s
